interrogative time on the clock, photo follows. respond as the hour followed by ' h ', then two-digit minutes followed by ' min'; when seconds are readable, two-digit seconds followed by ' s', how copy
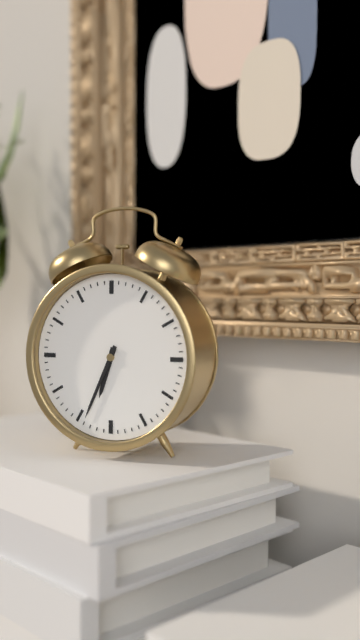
6 h 34 min
